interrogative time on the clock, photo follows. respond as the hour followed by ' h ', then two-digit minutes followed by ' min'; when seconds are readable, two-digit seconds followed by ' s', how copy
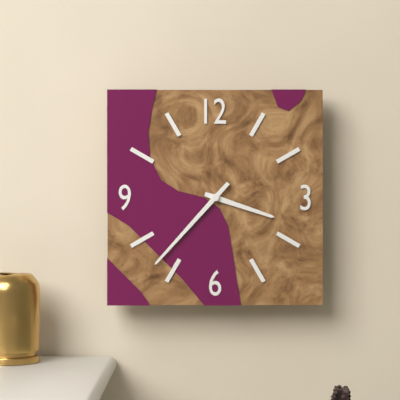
3 h 37 min
